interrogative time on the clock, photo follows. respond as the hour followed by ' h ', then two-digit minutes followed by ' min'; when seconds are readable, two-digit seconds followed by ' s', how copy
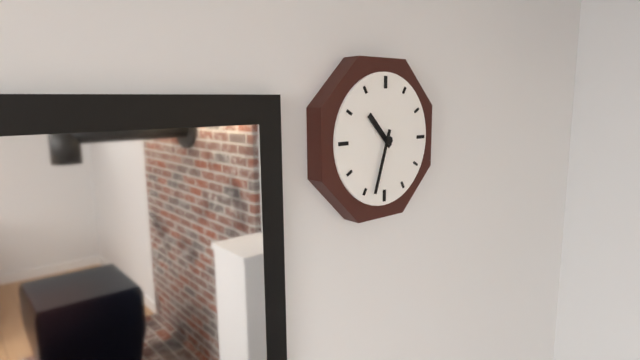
10 h 33 min
